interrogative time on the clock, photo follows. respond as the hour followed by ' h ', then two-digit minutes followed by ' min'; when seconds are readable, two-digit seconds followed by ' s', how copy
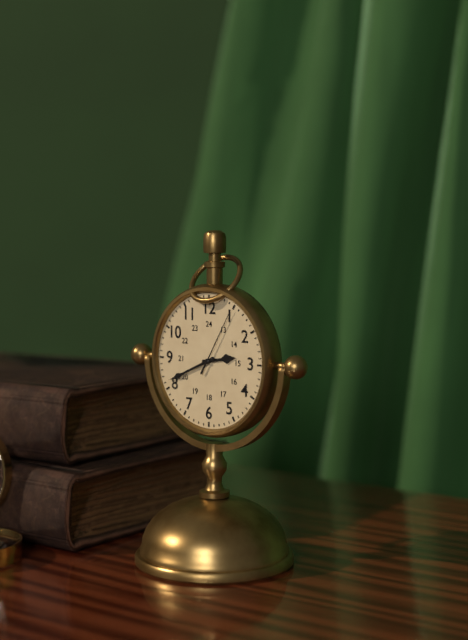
2 h 41 min 05 s
